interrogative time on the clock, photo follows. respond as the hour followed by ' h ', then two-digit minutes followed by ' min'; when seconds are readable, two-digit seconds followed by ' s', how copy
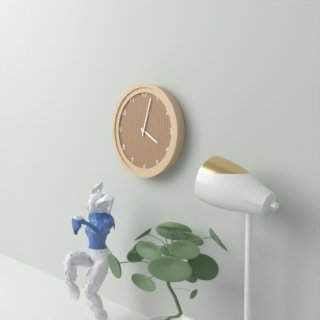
4 h 03 min
